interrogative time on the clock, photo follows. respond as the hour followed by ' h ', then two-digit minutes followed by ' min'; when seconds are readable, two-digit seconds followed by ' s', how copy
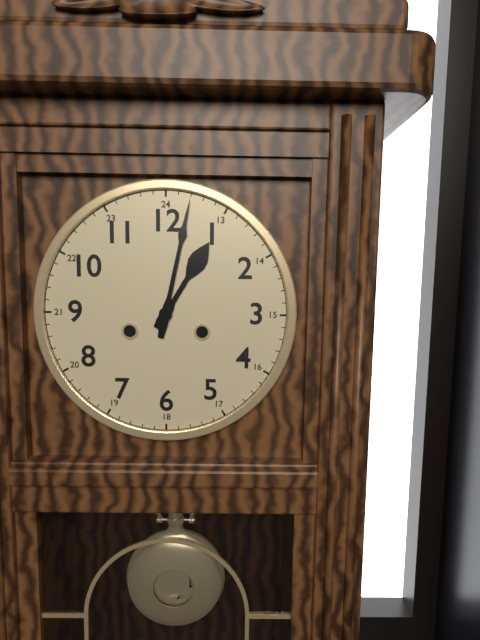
1 h 02 min
